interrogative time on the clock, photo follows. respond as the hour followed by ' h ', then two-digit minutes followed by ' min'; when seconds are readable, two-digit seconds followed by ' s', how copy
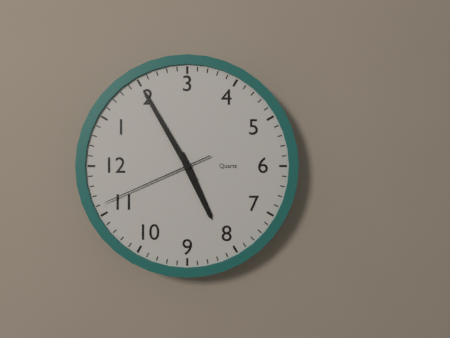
8 h 10 min 56 s
